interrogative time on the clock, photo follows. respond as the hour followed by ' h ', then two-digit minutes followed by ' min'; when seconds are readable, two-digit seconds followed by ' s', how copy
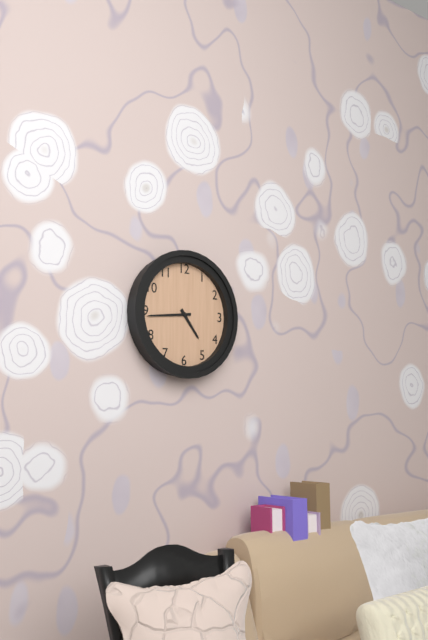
4 h 44 min
